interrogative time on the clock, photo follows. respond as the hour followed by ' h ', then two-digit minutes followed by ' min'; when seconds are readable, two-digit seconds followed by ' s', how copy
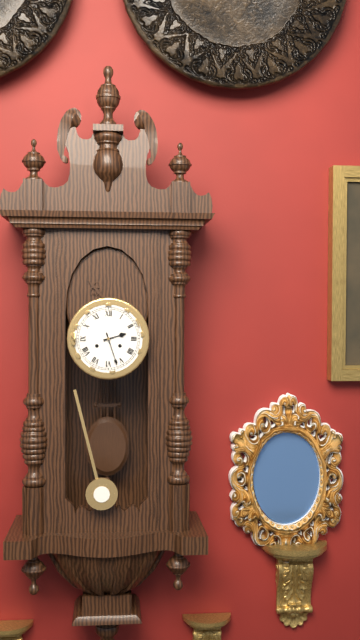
2 h 27 min
